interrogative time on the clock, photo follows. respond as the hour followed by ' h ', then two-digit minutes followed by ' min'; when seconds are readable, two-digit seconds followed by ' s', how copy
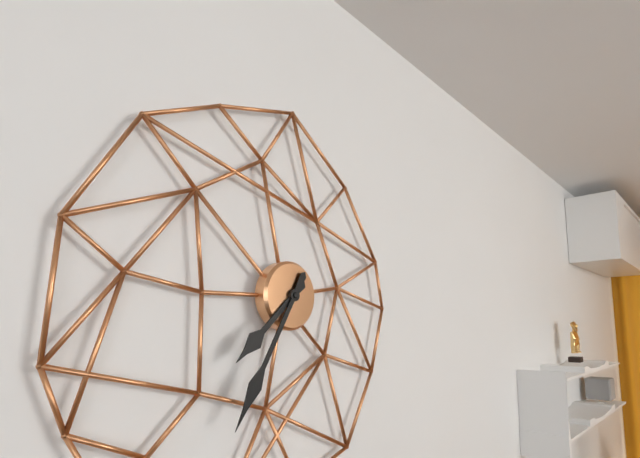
7 h 35 min
